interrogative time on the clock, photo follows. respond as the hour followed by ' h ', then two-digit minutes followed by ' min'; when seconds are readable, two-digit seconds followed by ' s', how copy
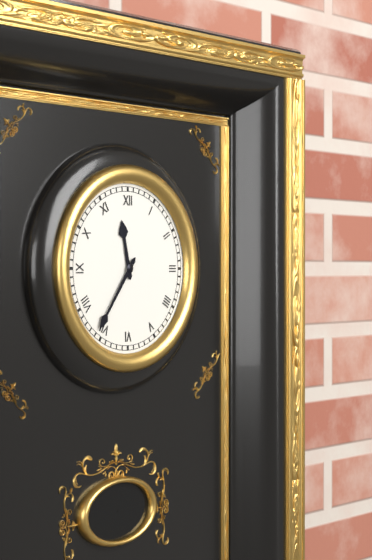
11 h 36 min
